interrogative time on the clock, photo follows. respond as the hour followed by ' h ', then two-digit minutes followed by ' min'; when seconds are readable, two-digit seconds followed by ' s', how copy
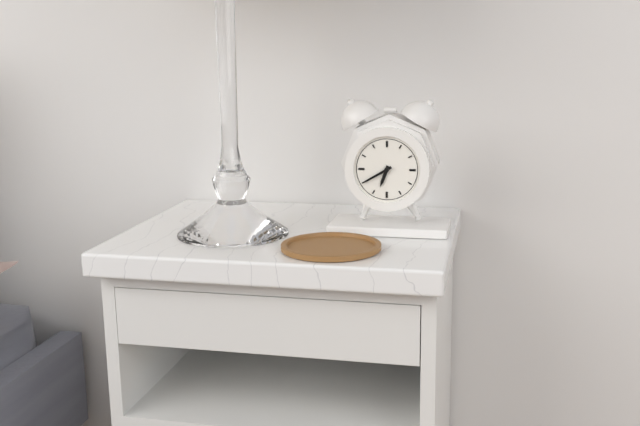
6 h 40 min
